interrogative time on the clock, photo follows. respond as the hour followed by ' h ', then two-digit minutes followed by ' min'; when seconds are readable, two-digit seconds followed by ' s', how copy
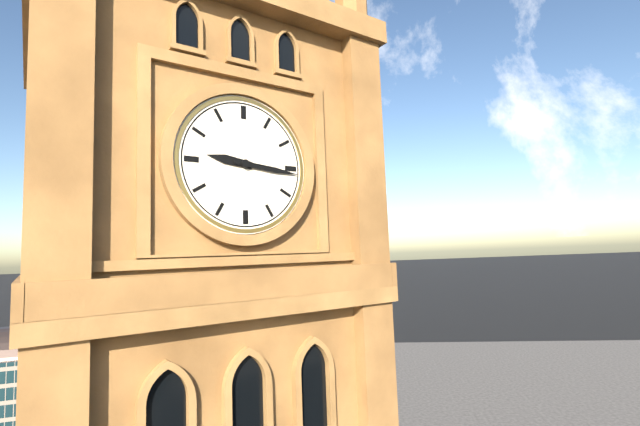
9 h 16 min
